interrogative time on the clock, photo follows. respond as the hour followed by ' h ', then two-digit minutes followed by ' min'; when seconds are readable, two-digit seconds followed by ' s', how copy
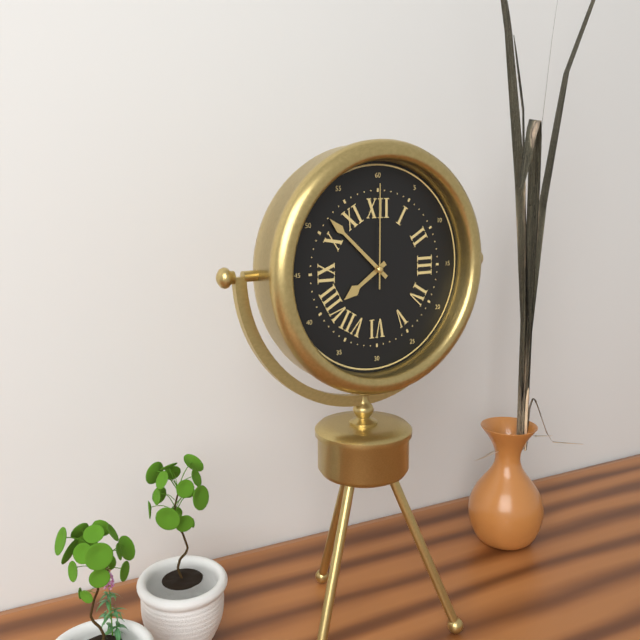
7 h 52 min 00 s
